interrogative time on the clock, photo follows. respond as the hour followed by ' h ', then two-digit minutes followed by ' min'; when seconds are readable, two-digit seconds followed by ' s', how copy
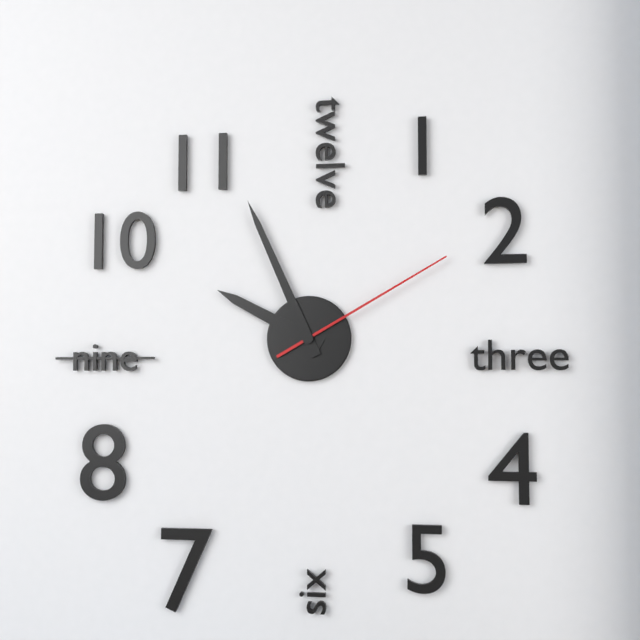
9 h 56 min 10 s
